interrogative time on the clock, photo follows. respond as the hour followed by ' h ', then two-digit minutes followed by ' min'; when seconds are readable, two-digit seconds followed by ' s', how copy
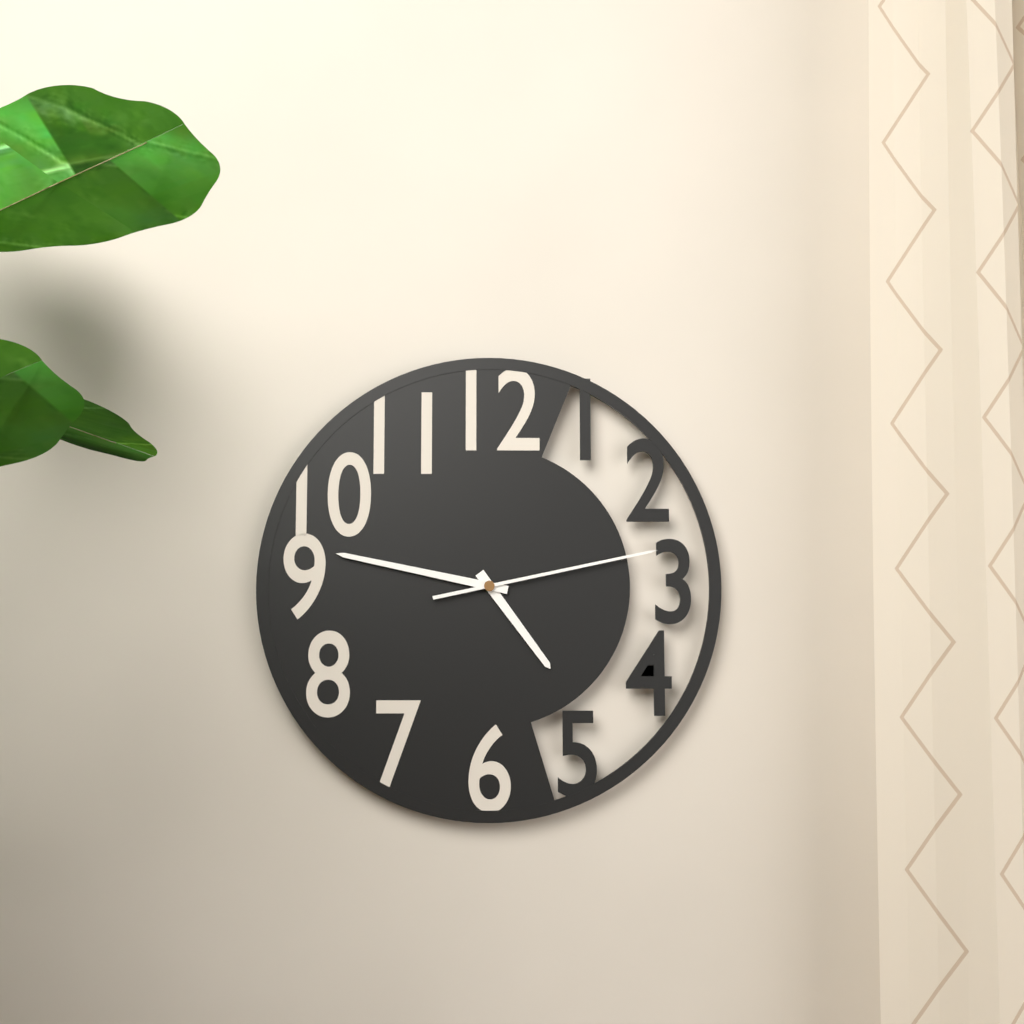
4 h 47 min 13 s
